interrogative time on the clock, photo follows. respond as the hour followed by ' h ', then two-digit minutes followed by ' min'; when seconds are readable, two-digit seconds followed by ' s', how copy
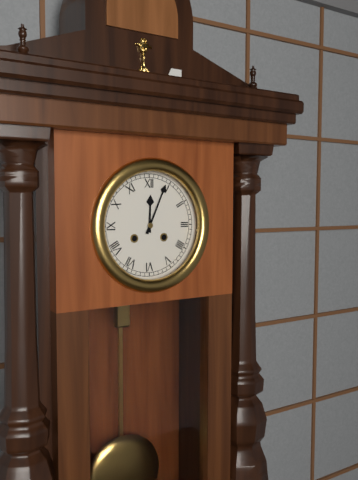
12 h 04 min
